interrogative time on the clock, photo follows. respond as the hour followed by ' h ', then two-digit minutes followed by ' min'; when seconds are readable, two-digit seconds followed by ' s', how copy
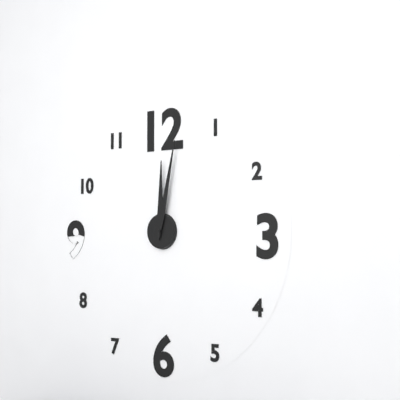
12 h 02 min
